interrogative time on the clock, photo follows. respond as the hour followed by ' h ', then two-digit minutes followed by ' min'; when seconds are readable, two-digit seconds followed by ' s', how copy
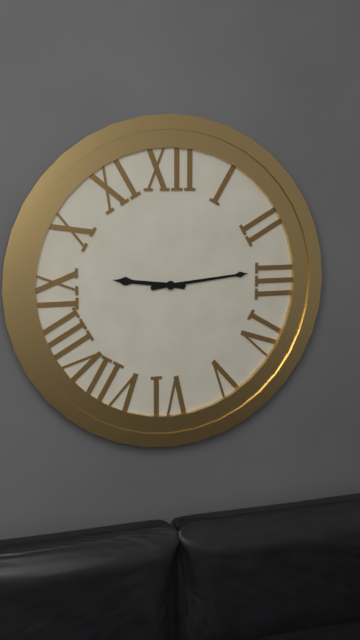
9 h 14 min
